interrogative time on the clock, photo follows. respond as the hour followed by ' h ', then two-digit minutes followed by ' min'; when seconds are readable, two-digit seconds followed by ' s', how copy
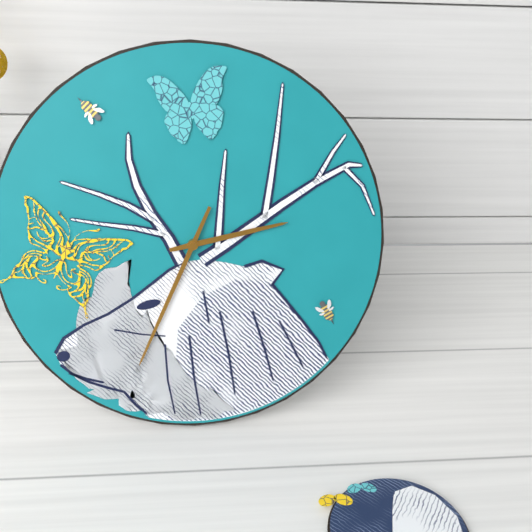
2 h 34 min
